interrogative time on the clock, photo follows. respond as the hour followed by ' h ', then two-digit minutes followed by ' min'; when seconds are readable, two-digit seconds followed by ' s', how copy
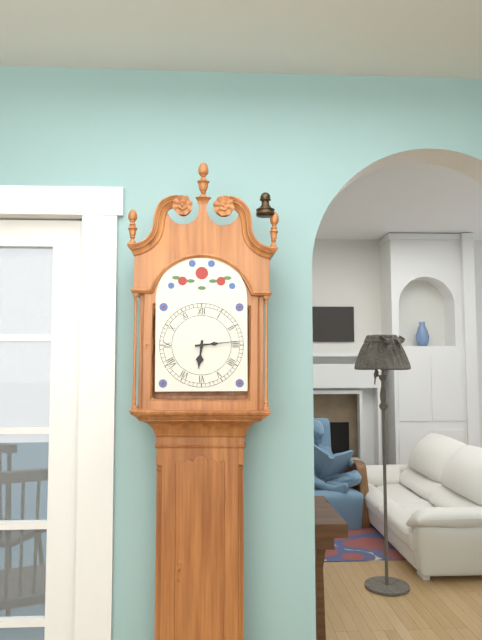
6 h 14 min
